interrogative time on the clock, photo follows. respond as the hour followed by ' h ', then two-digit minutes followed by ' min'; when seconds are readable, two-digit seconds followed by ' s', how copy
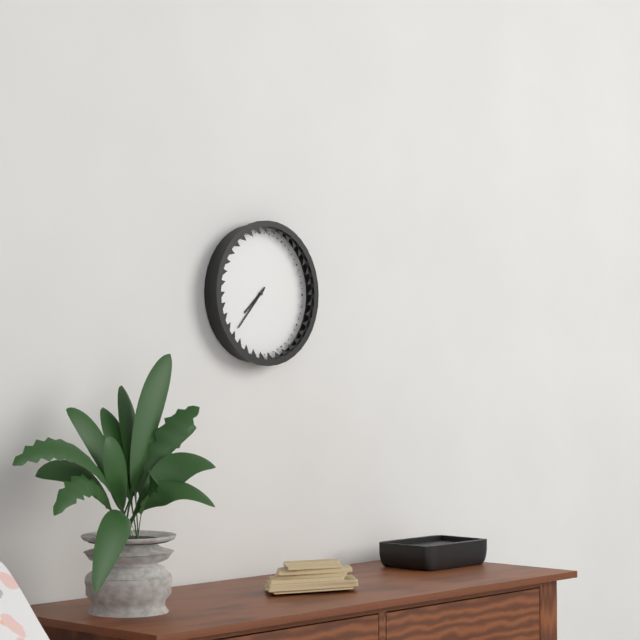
7 h 37 min
